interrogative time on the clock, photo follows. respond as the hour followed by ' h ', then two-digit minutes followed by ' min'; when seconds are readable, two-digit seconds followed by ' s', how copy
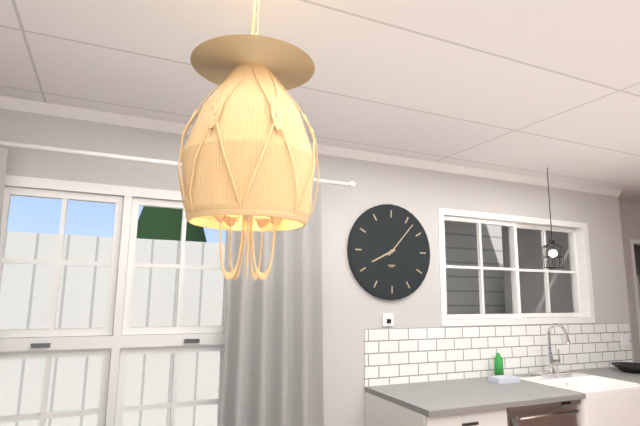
8 h 07 min
